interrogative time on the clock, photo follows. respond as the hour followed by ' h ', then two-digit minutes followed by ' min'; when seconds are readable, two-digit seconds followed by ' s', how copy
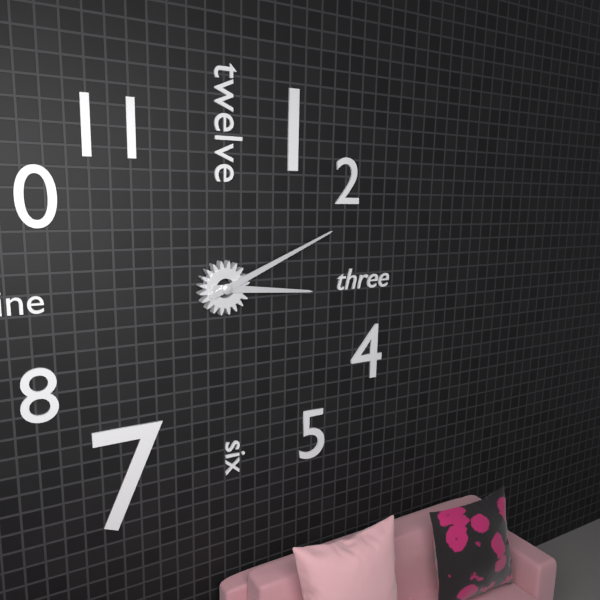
3 h 11 min
